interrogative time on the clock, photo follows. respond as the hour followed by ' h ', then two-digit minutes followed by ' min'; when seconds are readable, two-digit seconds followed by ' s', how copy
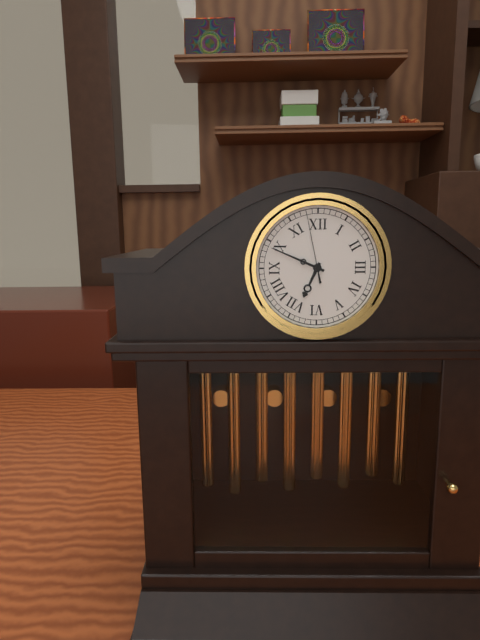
6 h 49 min 58 s
